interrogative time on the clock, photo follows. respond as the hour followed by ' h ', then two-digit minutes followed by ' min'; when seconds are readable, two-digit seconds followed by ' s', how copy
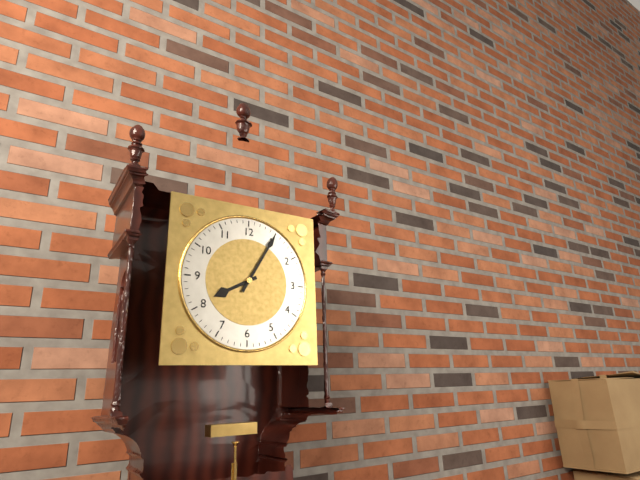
8 h 05 min
